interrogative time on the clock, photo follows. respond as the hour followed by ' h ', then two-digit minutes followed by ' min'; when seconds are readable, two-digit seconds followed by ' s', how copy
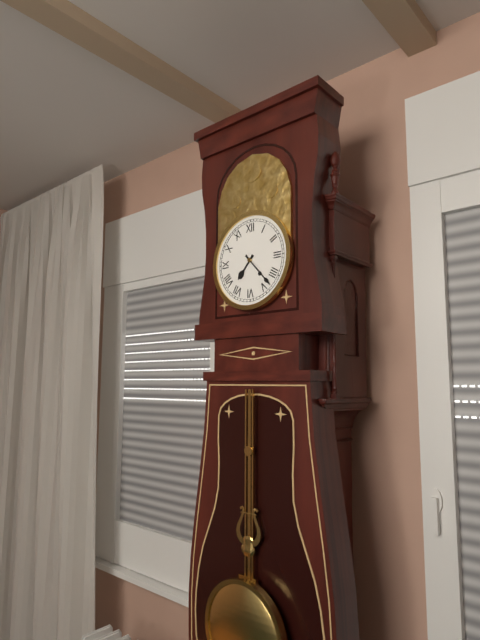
7 h 23 min
